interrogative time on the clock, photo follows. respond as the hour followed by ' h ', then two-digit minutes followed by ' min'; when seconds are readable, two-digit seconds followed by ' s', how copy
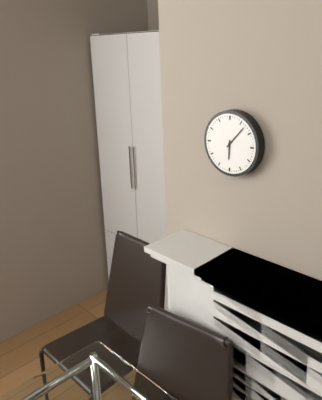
6 h 07 min
